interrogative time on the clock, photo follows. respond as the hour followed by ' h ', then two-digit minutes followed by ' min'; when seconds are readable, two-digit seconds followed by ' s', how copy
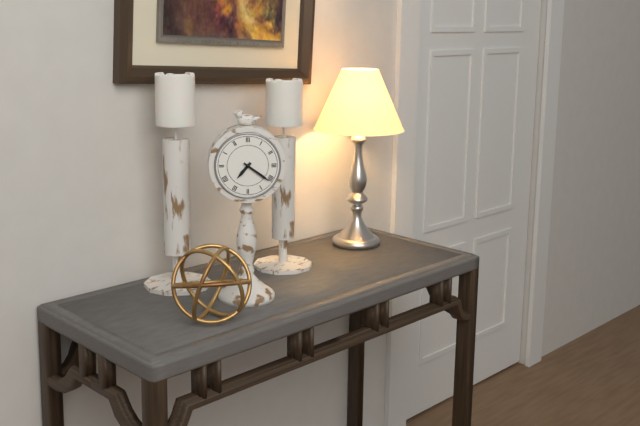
7 h 21 min
